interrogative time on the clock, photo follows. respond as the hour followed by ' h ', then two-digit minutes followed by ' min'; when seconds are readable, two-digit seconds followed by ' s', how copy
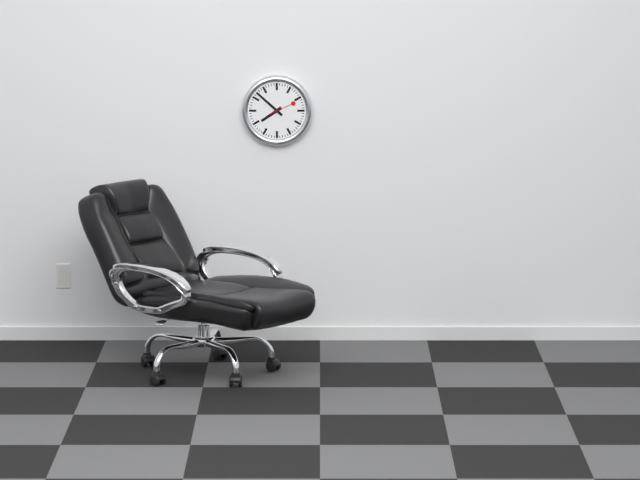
7 h 52 min
